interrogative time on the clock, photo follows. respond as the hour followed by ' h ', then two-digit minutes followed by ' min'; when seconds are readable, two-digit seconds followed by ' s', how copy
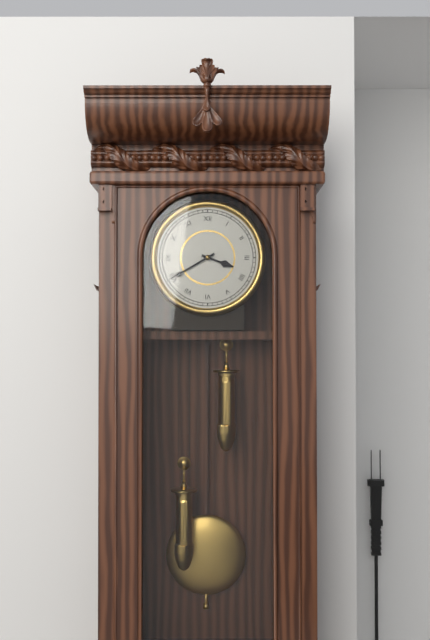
3 h 40 min
